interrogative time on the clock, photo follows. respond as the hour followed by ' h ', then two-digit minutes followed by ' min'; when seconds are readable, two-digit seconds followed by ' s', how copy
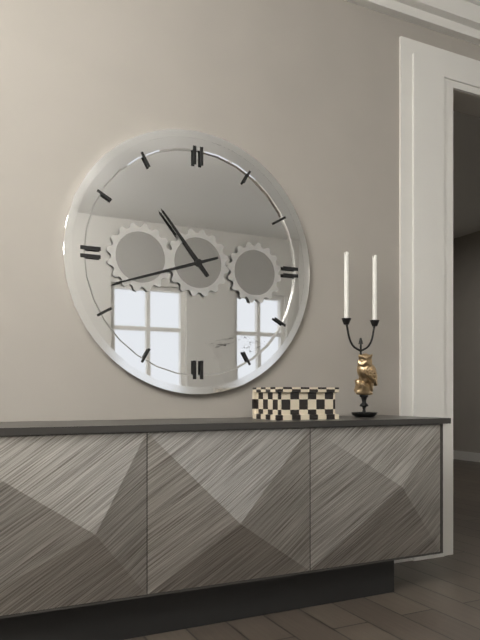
10 h 42 min
